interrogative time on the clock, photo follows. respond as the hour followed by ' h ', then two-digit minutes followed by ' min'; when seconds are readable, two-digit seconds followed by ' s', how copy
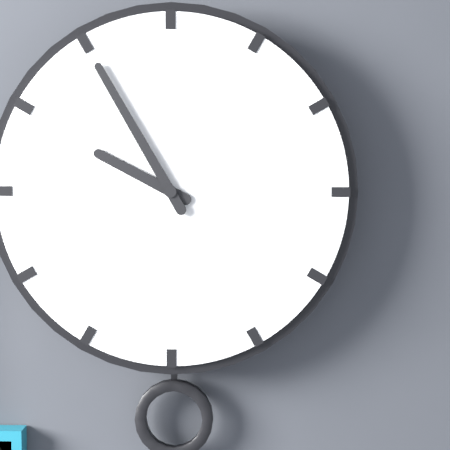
9 h 55 min
